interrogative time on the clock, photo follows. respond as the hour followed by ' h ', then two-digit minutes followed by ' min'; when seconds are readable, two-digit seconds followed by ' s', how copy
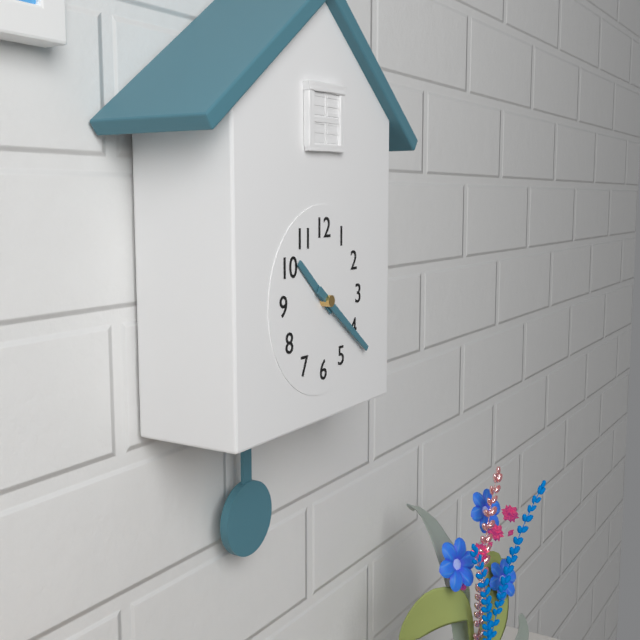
10 h 21 min
